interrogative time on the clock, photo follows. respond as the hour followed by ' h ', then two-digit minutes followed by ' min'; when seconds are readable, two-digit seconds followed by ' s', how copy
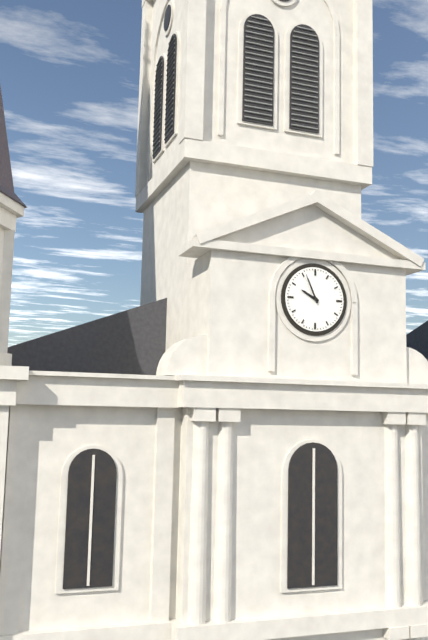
9 h 56 min
